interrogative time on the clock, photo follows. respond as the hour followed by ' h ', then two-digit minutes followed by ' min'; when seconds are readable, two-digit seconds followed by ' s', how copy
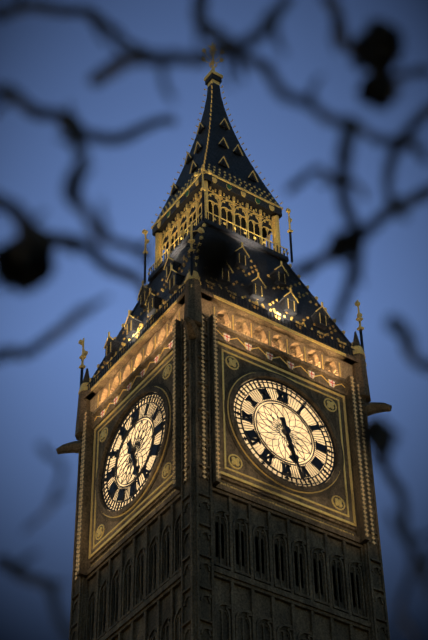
5 h 27 min
